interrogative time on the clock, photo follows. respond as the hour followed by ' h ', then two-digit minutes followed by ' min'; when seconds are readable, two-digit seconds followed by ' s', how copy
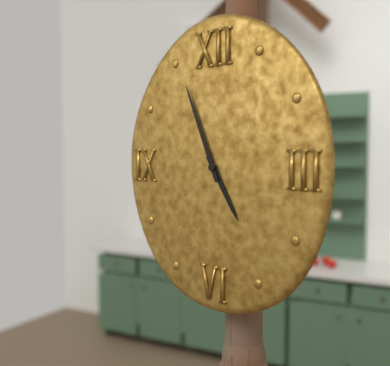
4 h 56 min
